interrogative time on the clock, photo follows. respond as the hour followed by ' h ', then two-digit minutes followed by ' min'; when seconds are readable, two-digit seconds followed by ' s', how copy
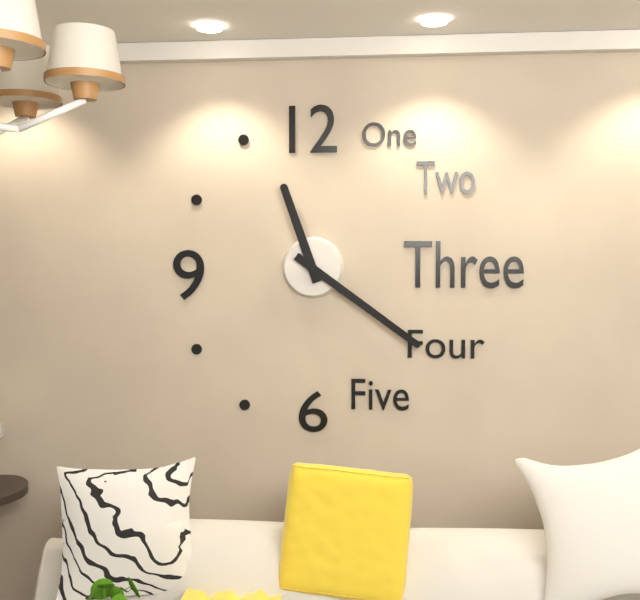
11 h 21 min
